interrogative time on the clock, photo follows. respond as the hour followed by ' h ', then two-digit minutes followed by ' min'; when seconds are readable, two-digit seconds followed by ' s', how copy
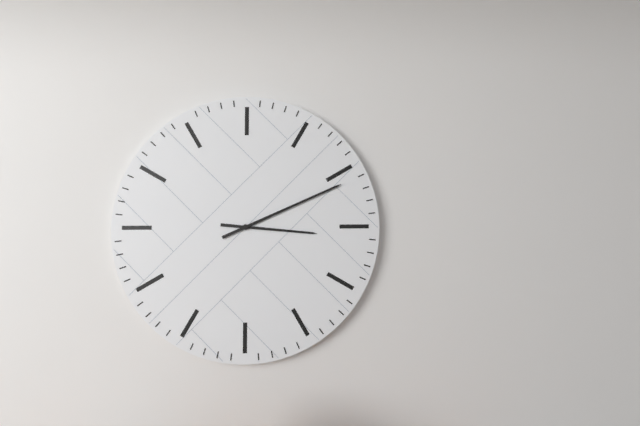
3 h 11 min
